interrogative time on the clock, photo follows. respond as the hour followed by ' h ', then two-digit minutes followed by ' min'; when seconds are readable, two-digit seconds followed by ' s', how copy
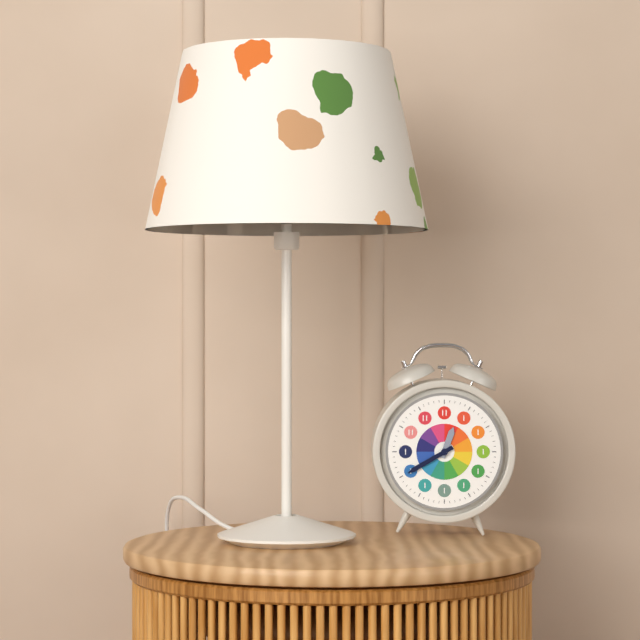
12 h 40 min
